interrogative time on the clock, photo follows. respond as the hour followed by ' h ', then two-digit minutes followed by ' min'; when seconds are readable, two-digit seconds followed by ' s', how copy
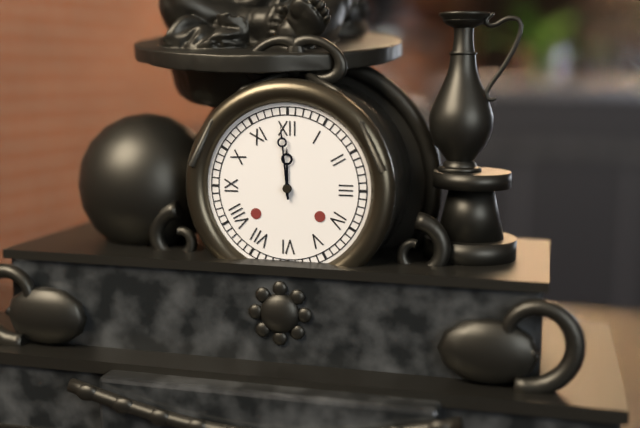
11 h 59 min
